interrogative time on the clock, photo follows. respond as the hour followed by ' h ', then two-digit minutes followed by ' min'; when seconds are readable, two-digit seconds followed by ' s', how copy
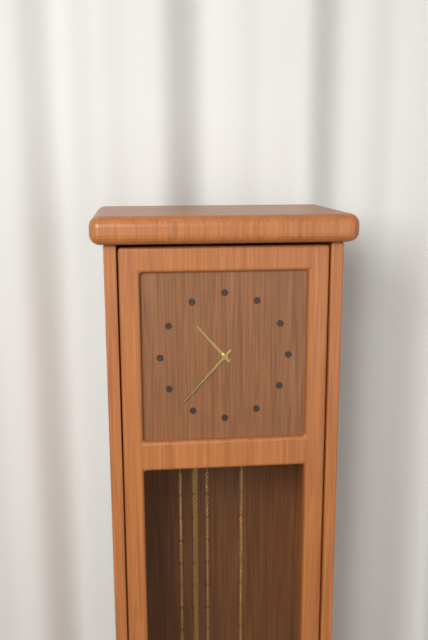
10 h 37 min
